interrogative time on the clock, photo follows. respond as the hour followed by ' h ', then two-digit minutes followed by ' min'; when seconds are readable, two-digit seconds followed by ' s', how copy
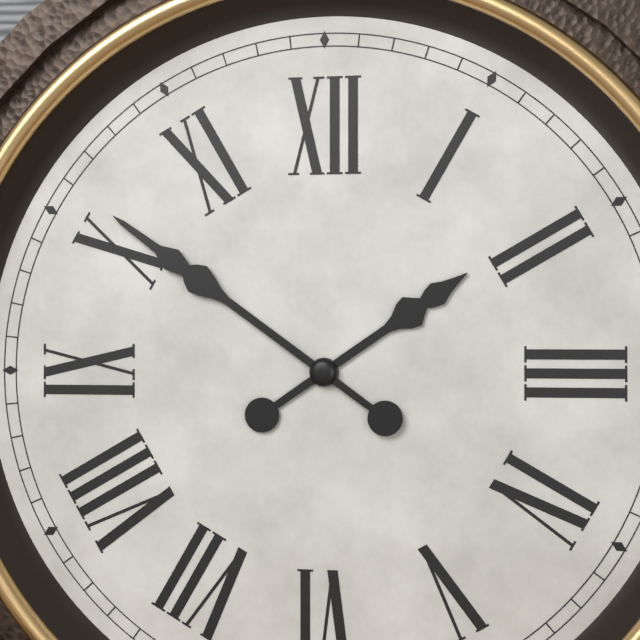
1 h 51 min
